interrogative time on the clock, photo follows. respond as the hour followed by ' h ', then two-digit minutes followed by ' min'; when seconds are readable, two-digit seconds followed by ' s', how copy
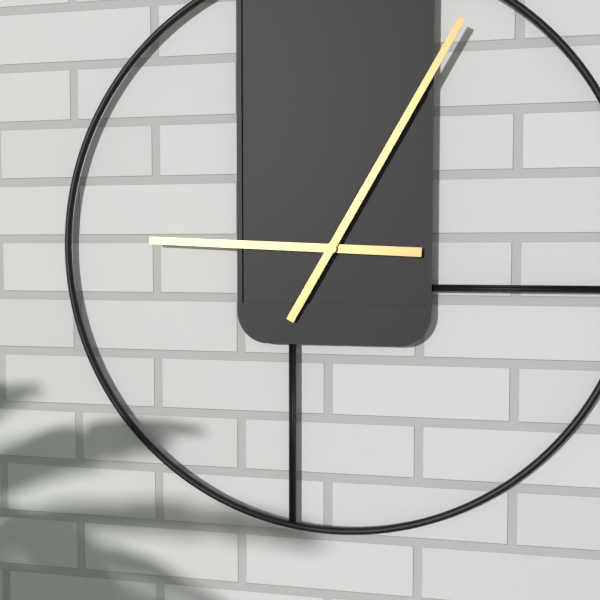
9 h 05 min
